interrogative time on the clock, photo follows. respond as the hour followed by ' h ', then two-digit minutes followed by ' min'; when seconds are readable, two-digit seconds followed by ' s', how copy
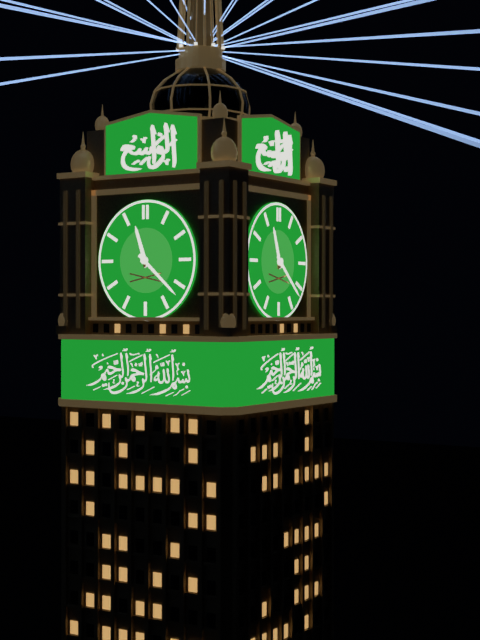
11 h 22 min
